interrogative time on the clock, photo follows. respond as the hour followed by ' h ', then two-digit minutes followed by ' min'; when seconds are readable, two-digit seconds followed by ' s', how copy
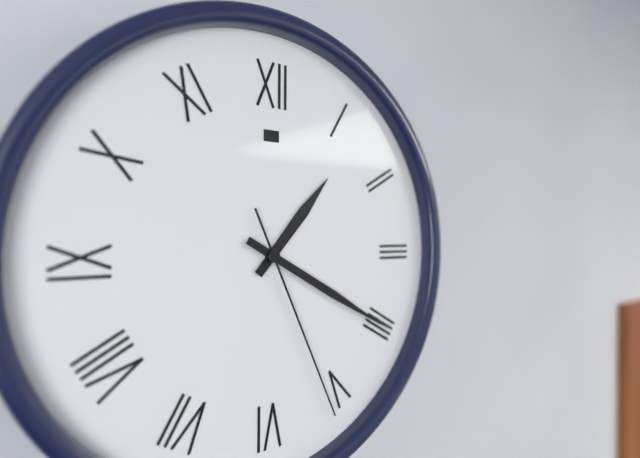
1 h 20 min 26 s
